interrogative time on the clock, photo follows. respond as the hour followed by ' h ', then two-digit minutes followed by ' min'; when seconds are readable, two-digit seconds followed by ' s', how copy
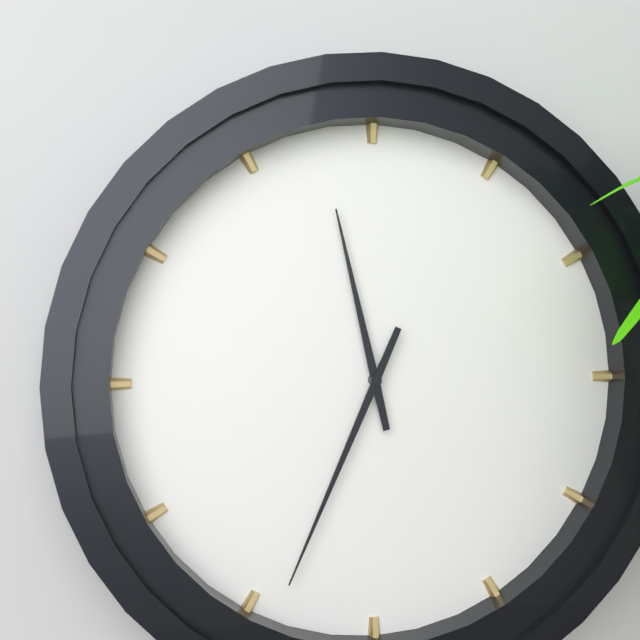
11 h 34 min
